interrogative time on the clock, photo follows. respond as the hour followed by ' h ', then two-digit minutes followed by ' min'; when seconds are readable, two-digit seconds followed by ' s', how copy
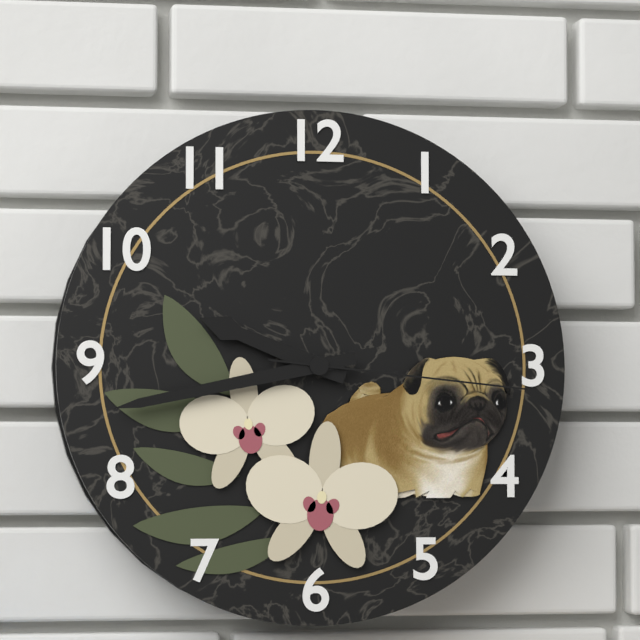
9 h 43 min 16 s
